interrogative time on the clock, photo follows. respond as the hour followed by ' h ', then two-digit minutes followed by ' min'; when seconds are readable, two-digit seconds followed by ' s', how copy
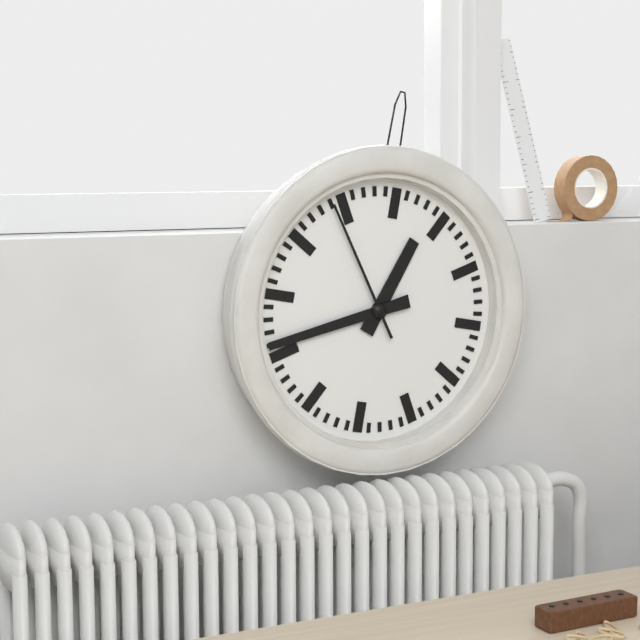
12 h 41 min 54 s
